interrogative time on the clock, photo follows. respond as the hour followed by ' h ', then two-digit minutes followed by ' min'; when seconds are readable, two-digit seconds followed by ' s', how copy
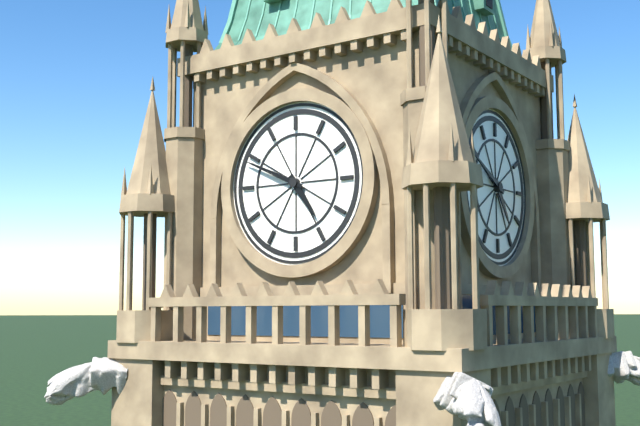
4 h 49 min
